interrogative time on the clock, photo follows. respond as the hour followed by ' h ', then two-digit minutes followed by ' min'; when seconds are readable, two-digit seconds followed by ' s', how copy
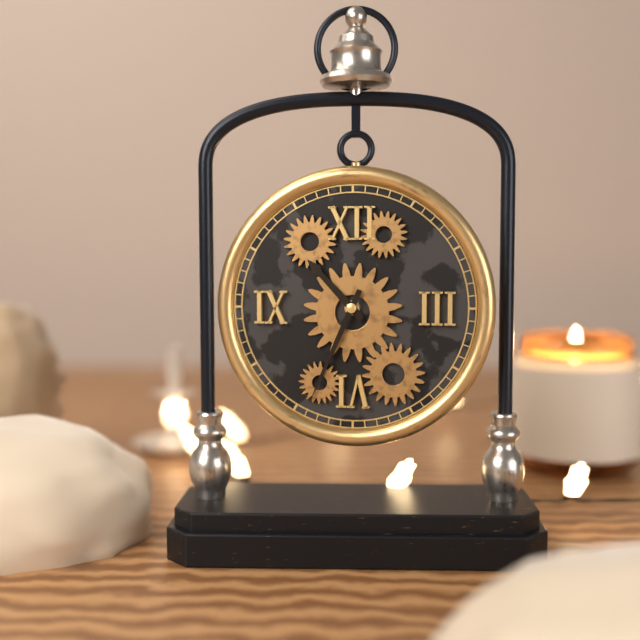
10 h 34 min
